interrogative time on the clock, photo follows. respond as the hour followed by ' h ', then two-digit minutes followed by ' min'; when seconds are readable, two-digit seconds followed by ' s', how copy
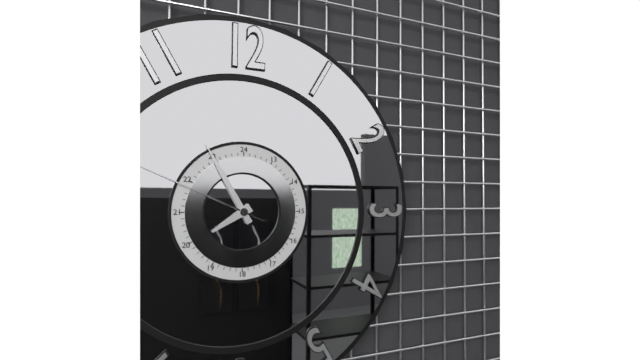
7 h 55 min 49 s
